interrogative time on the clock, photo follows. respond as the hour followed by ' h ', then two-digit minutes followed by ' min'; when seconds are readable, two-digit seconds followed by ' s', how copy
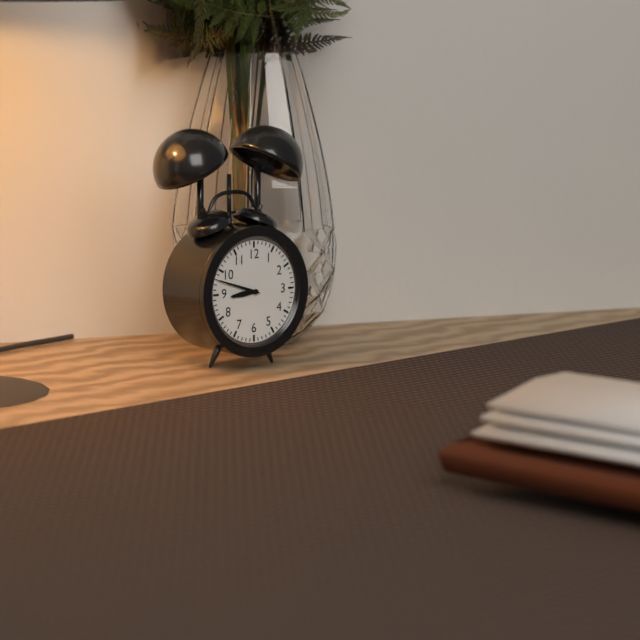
8 h 48 min
